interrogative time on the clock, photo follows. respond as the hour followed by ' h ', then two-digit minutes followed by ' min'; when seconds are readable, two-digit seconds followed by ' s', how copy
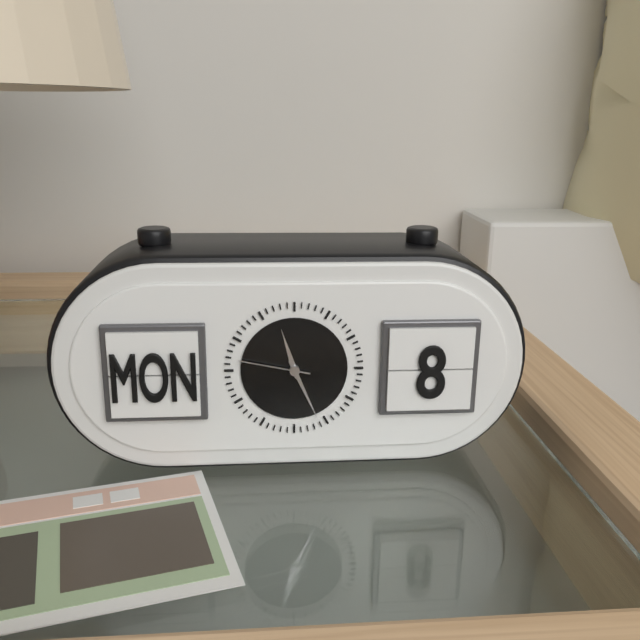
11 h 26 min 47 s
